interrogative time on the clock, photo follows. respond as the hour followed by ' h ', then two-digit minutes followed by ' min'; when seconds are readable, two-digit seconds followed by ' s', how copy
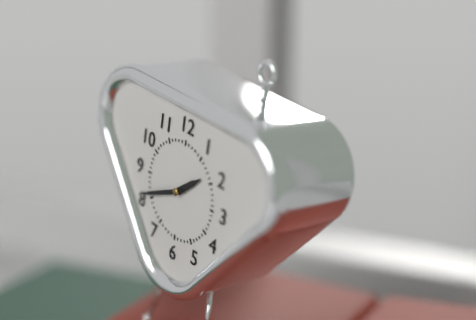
1 h 41 min
